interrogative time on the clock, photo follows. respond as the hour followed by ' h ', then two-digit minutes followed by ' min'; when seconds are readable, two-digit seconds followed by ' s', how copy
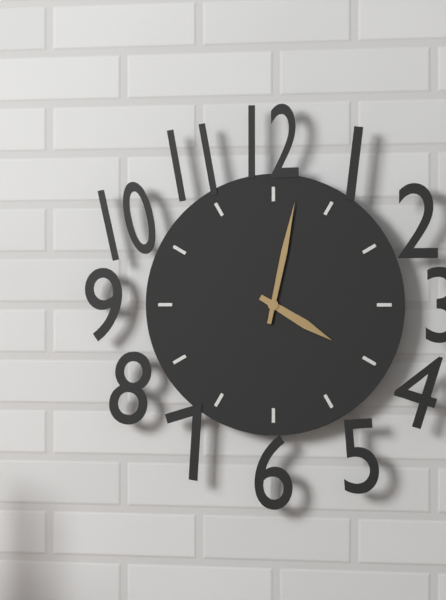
4 h 02 min
